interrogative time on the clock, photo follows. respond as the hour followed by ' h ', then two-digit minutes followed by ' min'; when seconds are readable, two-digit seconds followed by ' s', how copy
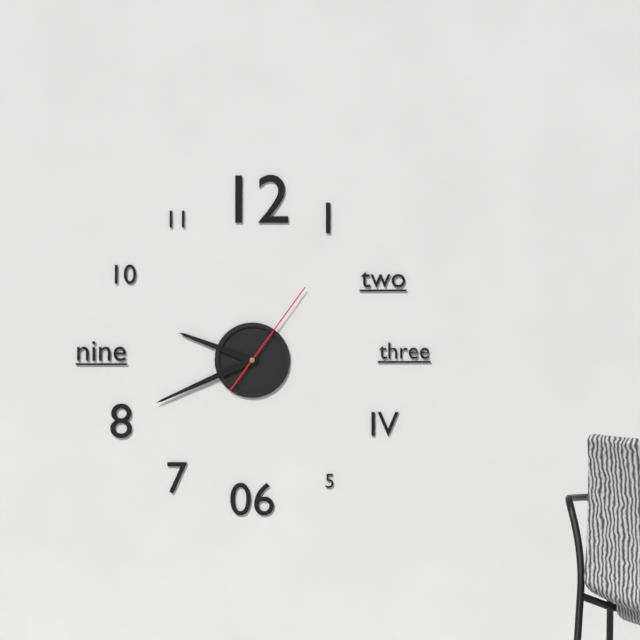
9 h 41 min 06 s
